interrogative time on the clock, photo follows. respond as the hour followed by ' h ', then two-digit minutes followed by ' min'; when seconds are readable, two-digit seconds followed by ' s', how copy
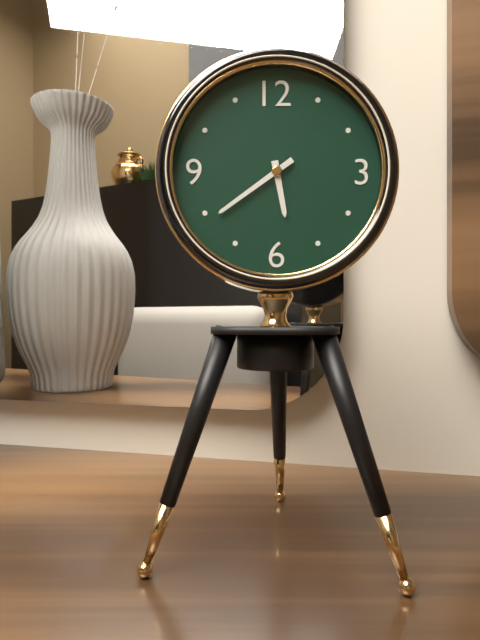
5 h 39 min
